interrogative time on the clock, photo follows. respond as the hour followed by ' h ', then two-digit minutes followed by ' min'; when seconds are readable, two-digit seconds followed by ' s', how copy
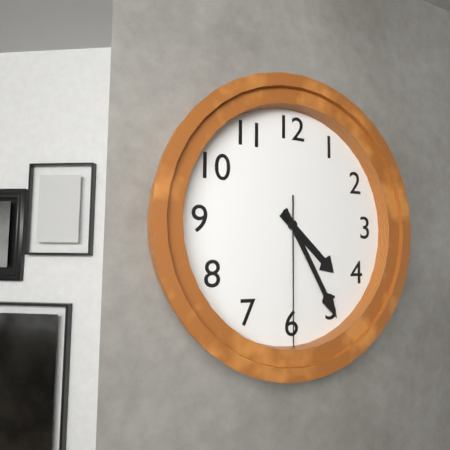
4 h 25 min 30 s
